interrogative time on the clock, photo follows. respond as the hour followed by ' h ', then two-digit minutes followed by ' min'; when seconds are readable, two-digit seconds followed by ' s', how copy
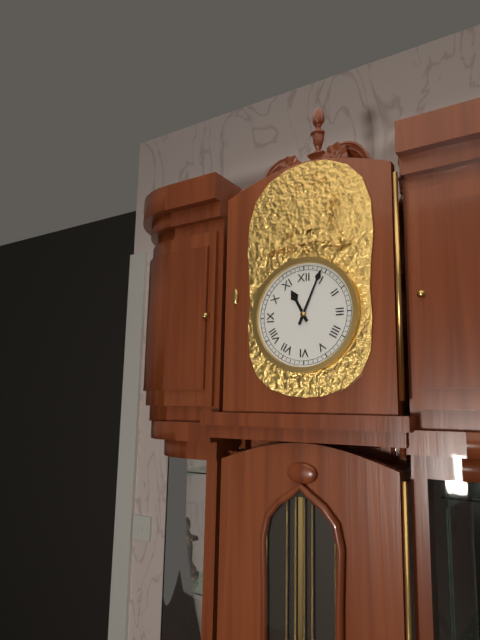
11 h 04 min
